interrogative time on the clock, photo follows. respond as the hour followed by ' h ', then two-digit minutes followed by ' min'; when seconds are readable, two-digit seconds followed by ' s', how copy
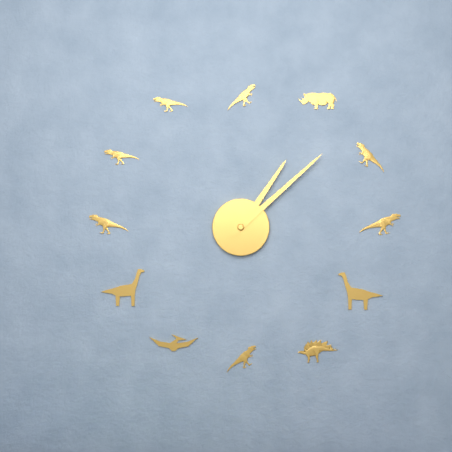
1 h 08 min
